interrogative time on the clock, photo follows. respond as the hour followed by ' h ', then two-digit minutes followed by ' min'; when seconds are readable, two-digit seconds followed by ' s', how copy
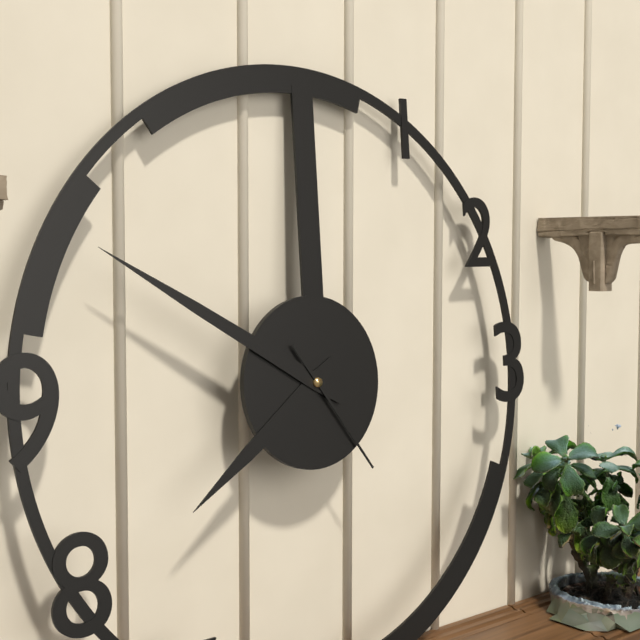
7 h 50 min 24 s
